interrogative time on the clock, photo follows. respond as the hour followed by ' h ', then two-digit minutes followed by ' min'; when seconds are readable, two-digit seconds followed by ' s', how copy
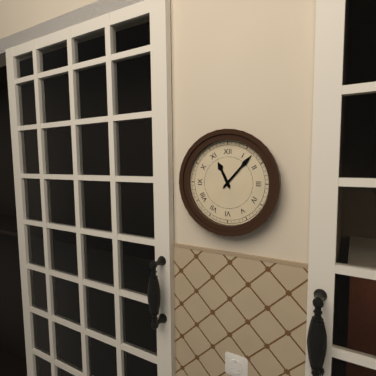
11 h 07 min
